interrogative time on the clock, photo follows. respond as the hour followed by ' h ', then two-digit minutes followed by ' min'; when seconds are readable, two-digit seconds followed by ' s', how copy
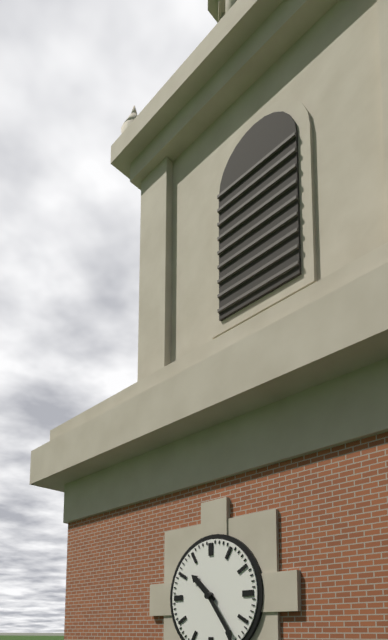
10 h 24 min
